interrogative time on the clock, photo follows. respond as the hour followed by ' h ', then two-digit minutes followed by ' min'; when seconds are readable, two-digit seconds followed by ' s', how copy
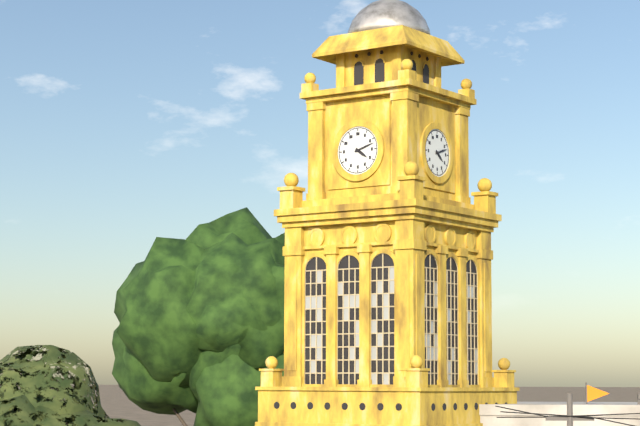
4 h 12 min
